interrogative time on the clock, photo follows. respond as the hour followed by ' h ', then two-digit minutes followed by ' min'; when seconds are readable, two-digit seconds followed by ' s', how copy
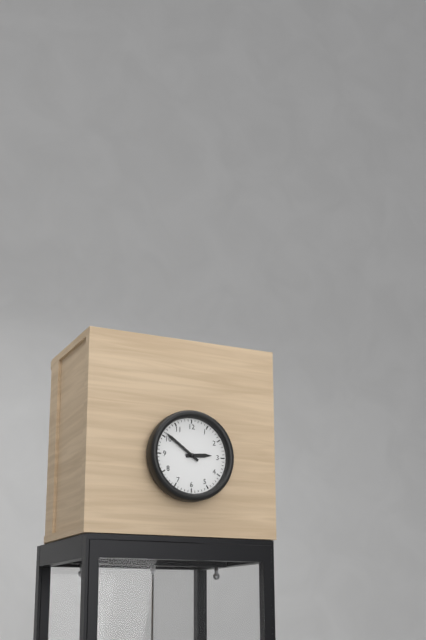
2 h 51 min
